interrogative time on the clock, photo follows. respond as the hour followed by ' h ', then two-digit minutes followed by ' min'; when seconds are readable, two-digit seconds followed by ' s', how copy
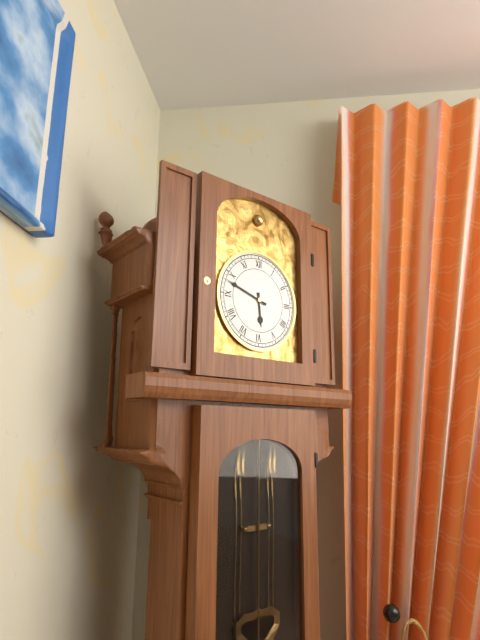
5 h 48 min
